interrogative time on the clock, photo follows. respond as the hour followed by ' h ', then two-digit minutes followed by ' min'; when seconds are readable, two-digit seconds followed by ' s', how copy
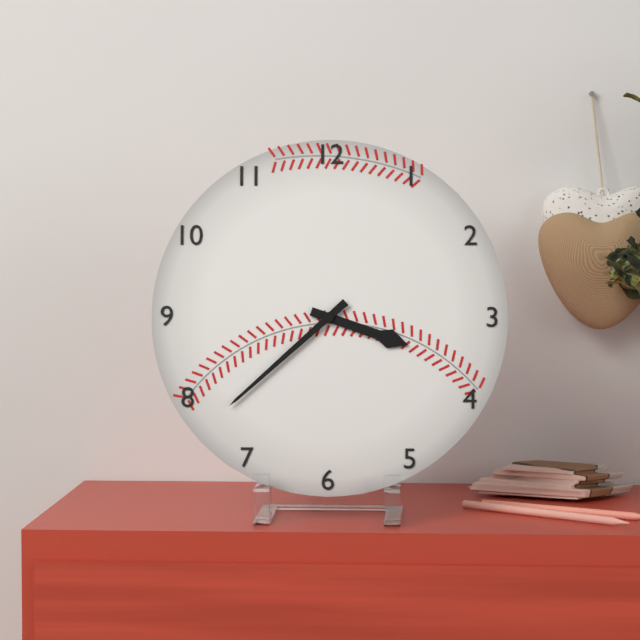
3 h 38 min
